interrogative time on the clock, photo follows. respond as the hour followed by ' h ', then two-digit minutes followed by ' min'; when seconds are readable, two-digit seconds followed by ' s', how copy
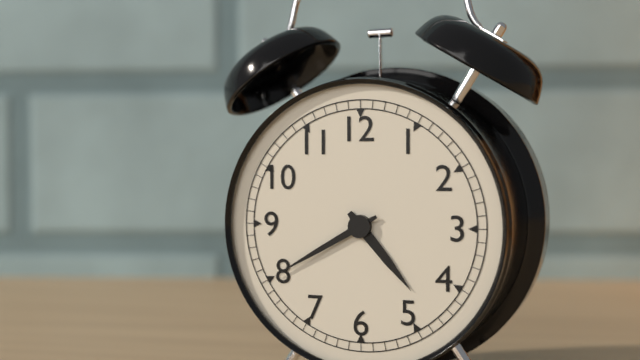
4 h 40 min
